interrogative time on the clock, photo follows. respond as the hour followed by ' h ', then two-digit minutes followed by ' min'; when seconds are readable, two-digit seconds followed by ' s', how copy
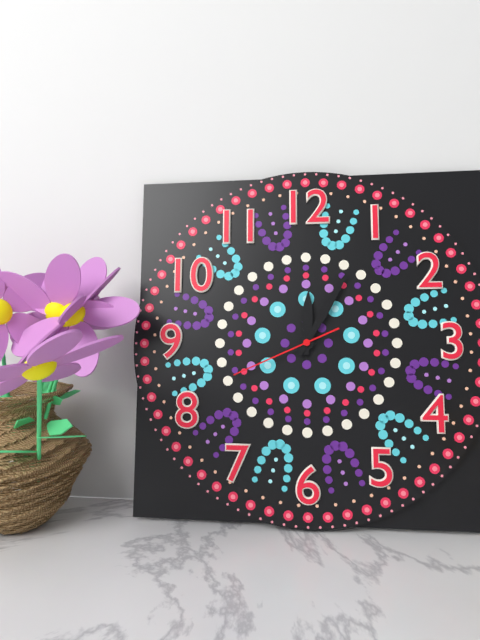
12 h 05 min 41 s
